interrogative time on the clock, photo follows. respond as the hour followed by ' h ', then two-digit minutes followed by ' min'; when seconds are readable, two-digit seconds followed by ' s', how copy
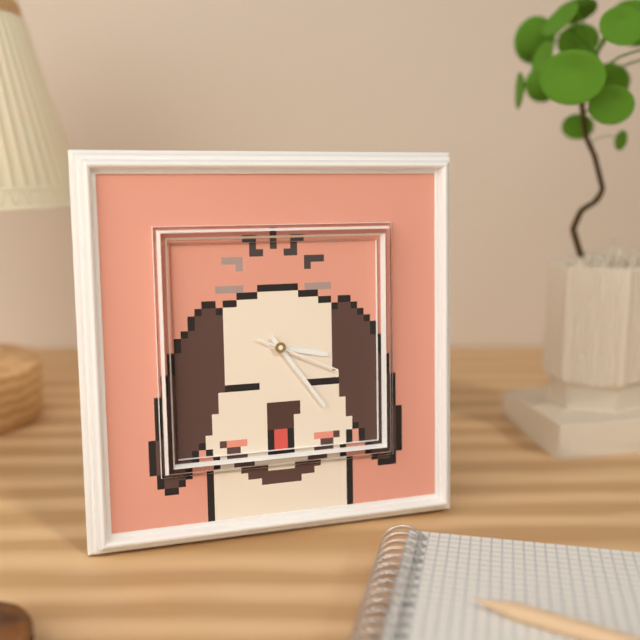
3 h 24 min 19 s
